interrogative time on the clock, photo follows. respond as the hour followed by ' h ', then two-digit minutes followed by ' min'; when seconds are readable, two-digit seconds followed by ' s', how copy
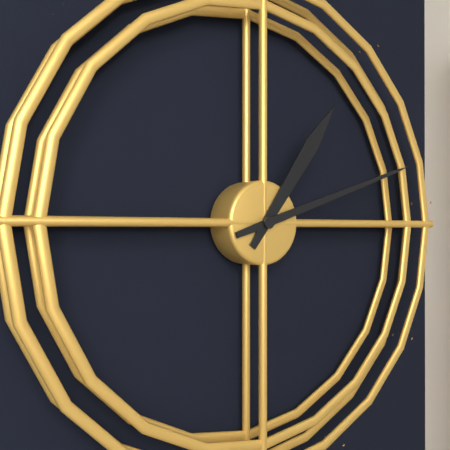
1 h 12 min
